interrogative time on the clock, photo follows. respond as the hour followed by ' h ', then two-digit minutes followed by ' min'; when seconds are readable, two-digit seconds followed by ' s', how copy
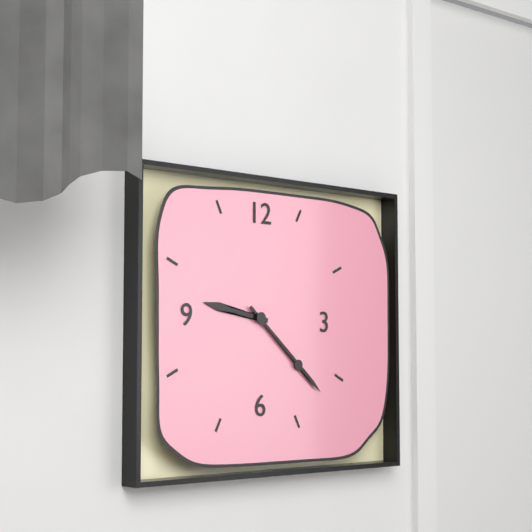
9 h 22 min
